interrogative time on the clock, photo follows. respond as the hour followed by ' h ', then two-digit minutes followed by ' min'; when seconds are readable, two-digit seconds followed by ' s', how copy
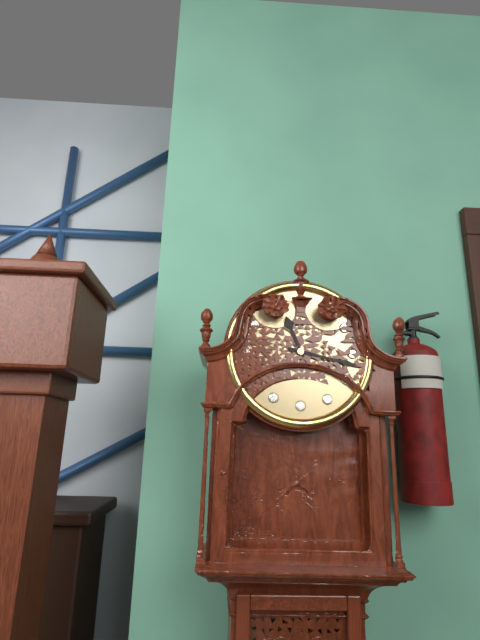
11 h 17 min
